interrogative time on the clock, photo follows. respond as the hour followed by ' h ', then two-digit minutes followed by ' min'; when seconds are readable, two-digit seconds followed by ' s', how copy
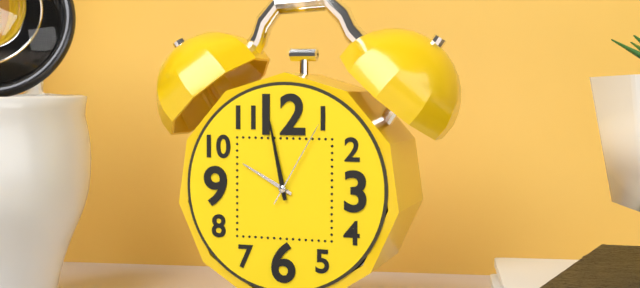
9 h 58 min 05 s
